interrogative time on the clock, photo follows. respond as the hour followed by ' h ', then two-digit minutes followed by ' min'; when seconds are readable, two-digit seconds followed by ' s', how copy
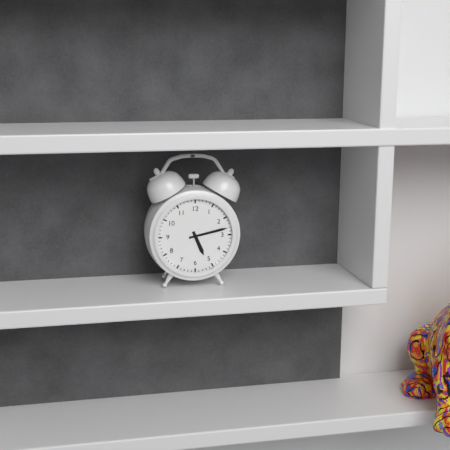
5 h 13 min
